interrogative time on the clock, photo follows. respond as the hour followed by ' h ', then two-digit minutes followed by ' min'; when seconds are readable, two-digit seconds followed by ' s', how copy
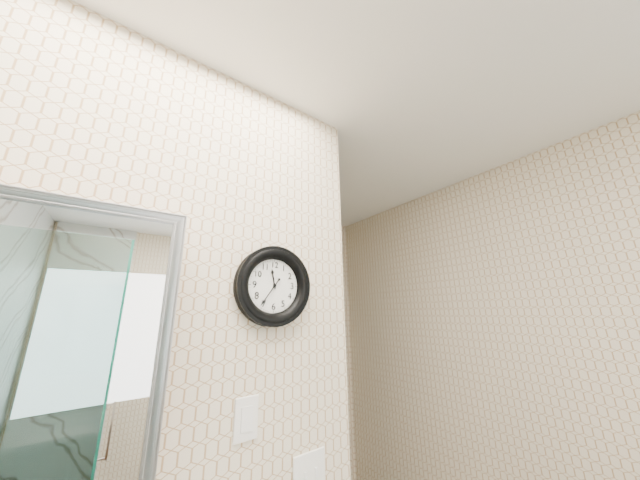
11 h 36 min
